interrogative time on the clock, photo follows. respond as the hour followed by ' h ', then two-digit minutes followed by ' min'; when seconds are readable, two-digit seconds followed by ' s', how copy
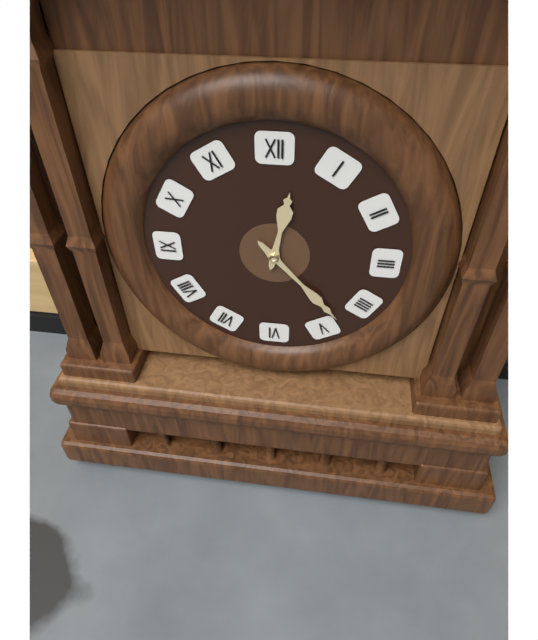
12 h 23 min
